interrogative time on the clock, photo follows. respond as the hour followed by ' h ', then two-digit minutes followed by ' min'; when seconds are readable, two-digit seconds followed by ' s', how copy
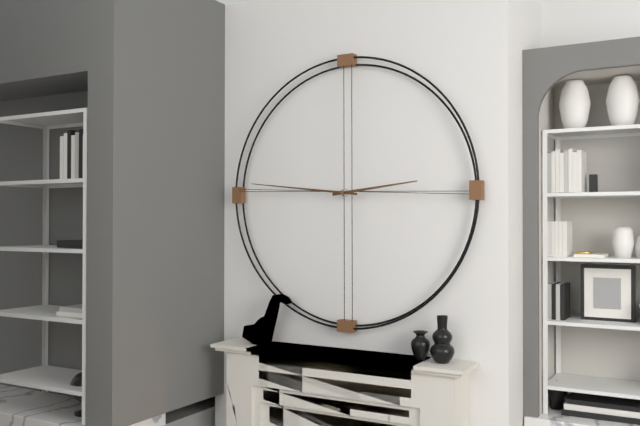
2 h 46 min
